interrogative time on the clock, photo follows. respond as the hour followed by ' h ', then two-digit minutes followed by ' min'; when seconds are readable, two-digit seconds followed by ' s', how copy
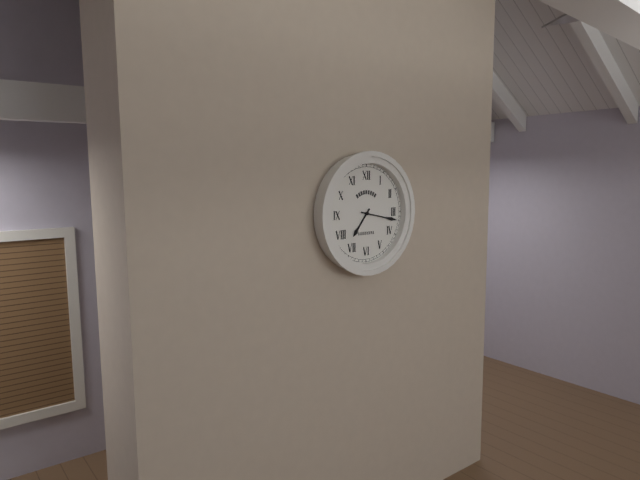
7 h 17 min
